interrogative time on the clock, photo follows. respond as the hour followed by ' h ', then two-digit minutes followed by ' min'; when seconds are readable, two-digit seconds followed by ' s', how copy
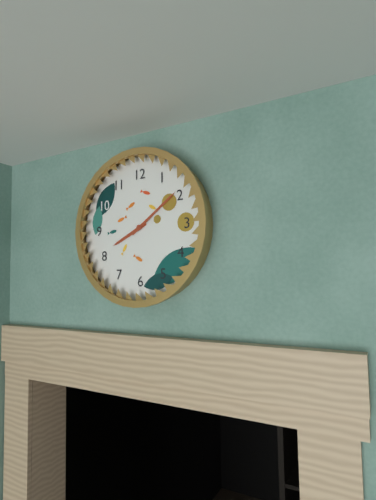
8 h 09 min
